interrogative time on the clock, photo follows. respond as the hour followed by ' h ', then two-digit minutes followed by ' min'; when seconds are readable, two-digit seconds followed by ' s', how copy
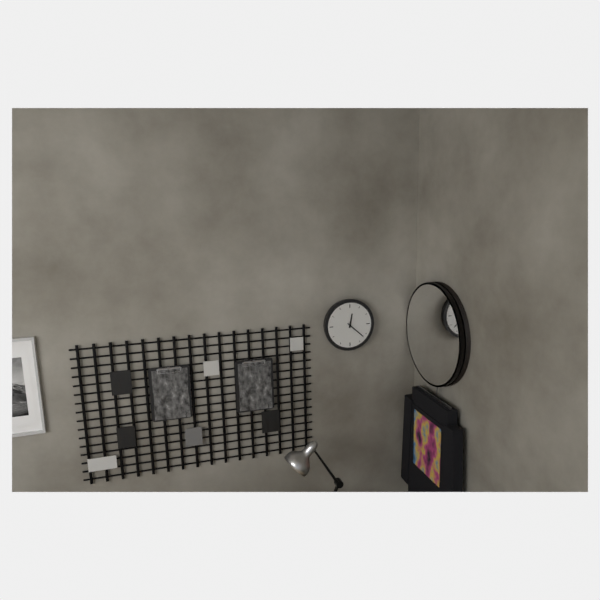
12 h 22 min
